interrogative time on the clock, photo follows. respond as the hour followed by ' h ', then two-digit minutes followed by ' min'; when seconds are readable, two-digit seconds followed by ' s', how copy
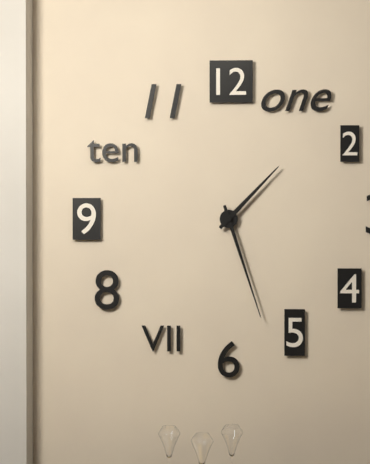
1 h 27 min
